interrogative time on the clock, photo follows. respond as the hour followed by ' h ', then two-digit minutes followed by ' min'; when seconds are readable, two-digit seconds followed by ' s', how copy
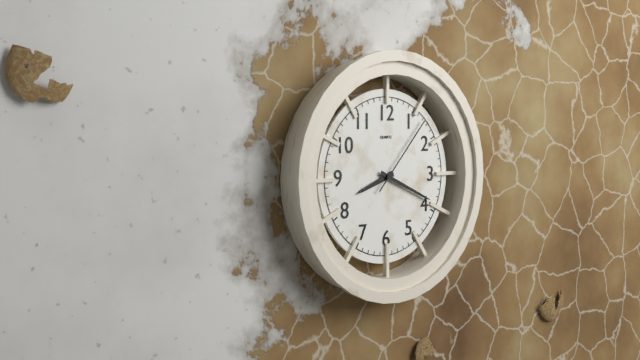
8 h 19 min 07 s
